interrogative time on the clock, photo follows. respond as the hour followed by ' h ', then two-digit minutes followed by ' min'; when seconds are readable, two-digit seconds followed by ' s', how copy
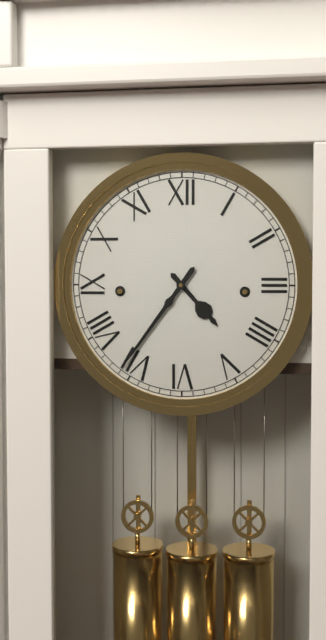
4 h 36 min
